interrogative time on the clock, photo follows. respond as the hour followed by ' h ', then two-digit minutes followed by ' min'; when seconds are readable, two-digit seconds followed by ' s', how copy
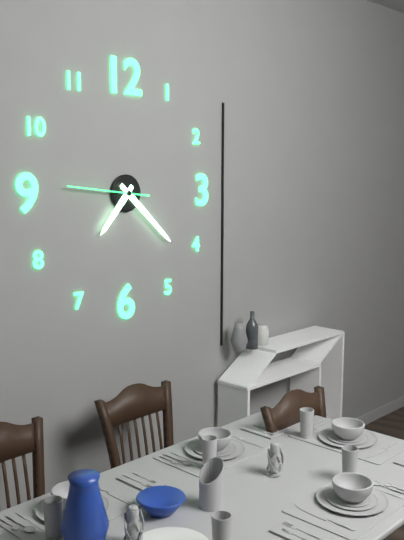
7 h 22 min 46 s
